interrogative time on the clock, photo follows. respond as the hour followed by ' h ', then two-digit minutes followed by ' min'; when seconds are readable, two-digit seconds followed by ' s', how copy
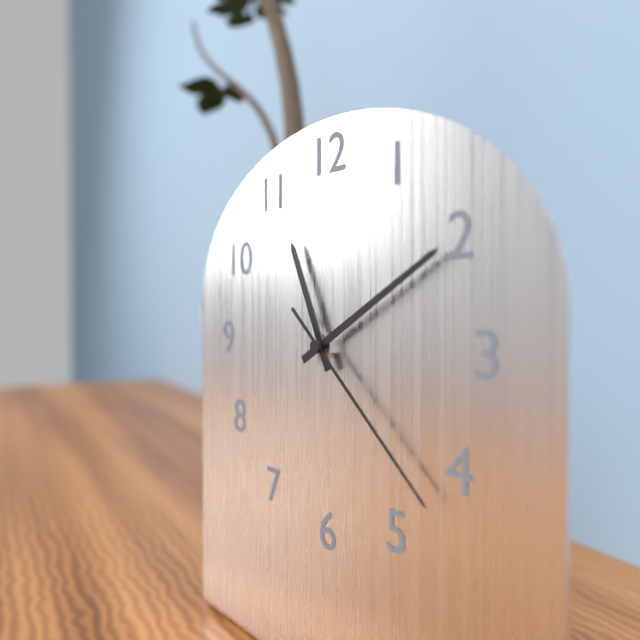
11 h 10 min 22 s
